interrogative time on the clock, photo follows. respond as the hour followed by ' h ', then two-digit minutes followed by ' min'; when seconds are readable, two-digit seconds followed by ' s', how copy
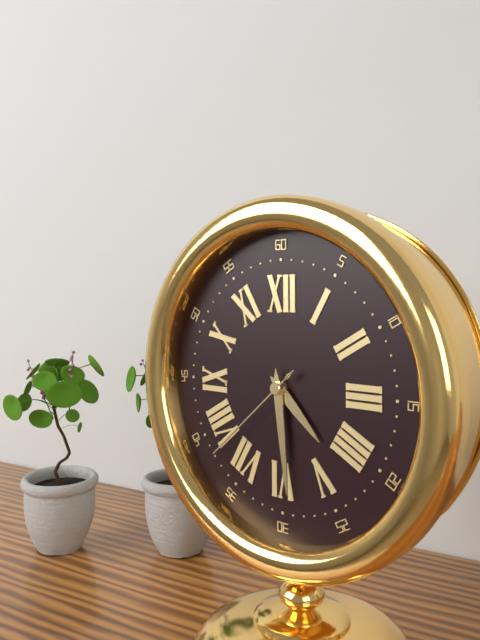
4 h 29 min 38 s
